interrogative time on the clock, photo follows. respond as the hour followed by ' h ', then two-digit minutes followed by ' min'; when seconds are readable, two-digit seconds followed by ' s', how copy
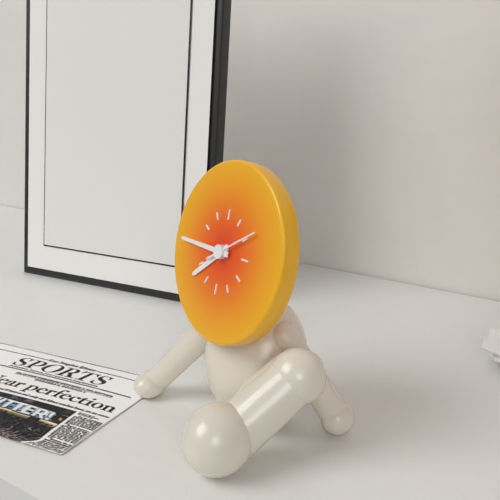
7 h 45 min 10 s
